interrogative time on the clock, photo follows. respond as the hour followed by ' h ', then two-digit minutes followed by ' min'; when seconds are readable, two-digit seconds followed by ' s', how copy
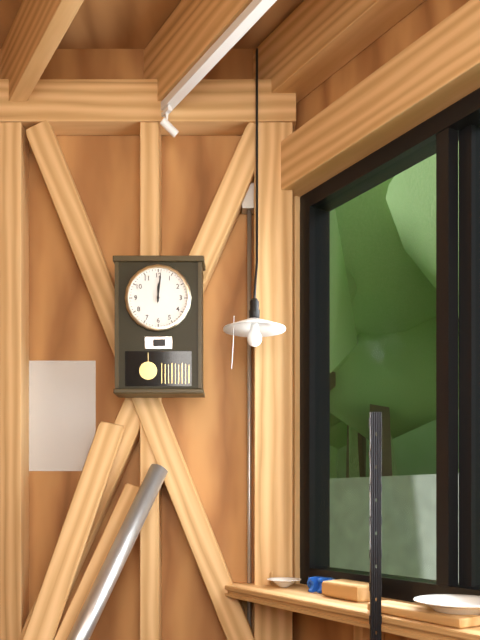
12 h 01 min
